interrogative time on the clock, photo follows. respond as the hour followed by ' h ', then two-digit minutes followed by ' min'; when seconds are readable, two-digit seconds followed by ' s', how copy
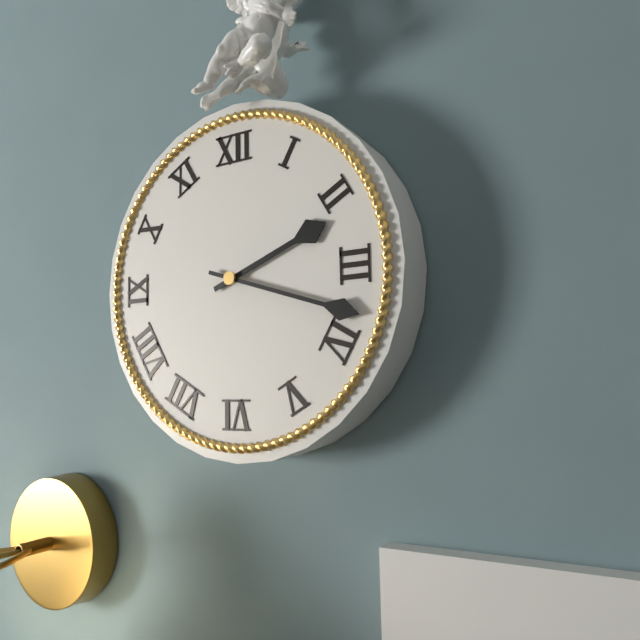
2 h 18 min
